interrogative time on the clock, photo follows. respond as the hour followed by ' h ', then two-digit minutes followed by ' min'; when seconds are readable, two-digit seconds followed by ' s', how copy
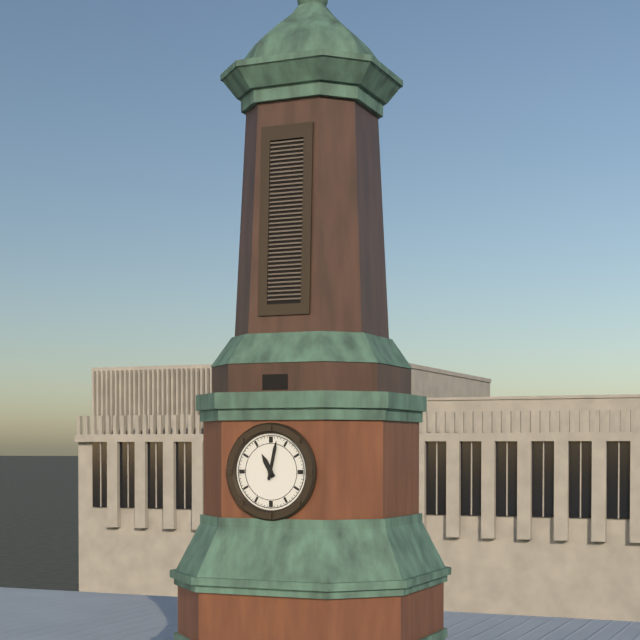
11 h 02 min
